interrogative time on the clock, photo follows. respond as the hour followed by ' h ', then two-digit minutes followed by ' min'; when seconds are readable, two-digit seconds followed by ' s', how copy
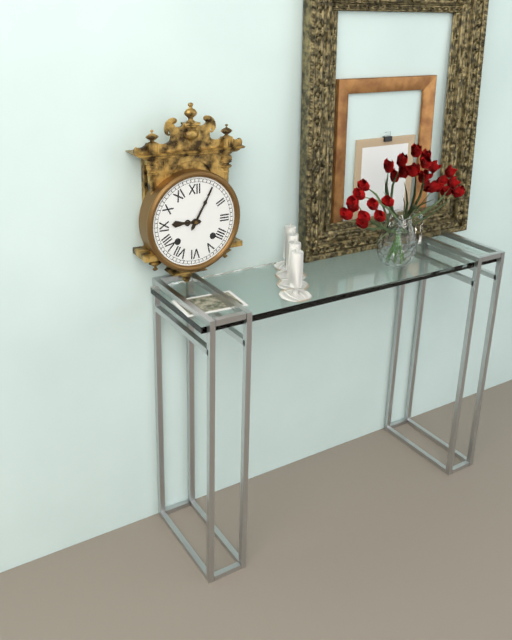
9 h 05 min
